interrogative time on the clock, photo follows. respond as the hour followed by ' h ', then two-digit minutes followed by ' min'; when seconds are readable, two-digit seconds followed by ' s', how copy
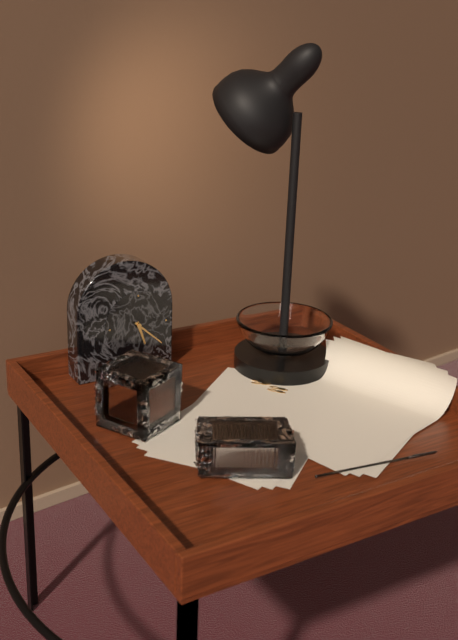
5 h 22 min
